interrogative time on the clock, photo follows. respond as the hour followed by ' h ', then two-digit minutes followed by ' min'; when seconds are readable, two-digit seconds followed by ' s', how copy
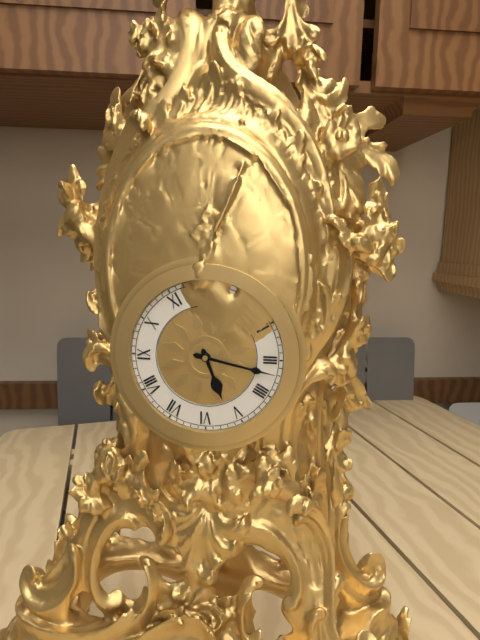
5 h 17 min
